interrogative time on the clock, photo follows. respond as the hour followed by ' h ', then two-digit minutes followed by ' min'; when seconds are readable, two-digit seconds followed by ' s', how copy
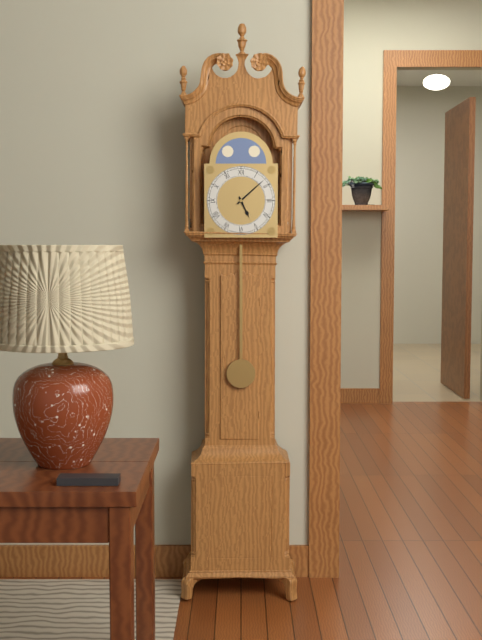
5 h 08 min
